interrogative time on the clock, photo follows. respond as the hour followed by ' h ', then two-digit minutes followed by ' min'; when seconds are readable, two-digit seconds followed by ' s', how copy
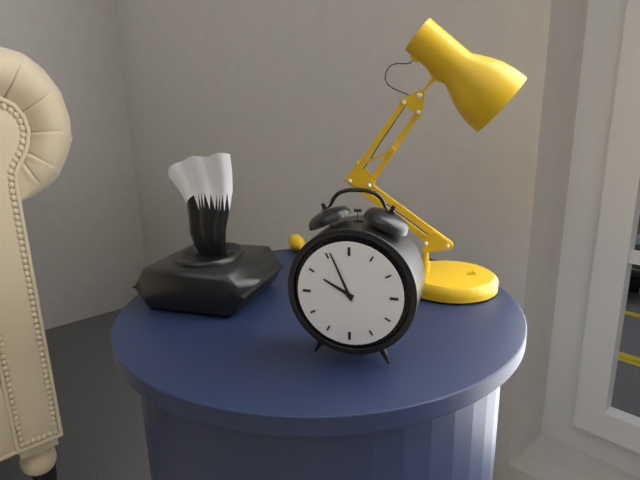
9 h 56 min
